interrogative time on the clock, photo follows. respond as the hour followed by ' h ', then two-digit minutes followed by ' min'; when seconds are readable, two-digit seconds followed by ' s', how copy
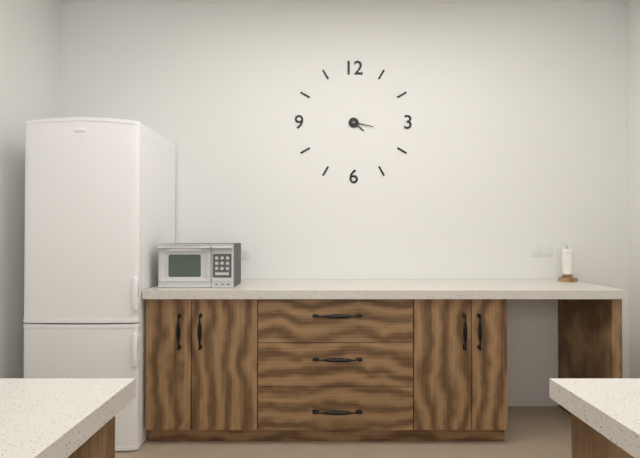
4 h 17 min
